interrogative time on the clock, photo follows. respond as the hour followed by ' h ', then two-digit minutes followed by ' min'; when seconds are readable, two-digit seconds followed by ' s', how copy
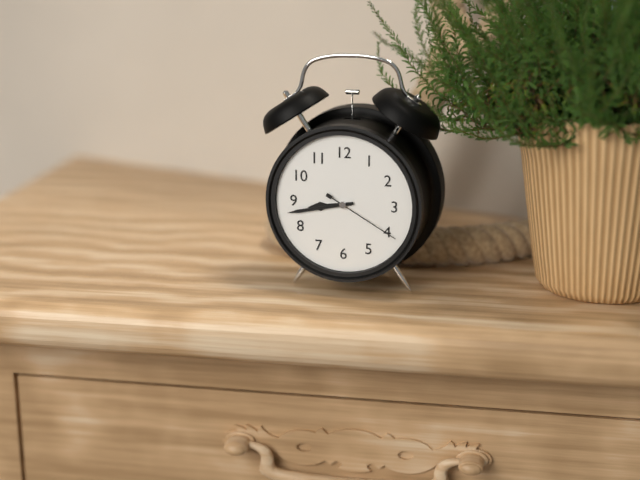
8 h 43 min 20 s
